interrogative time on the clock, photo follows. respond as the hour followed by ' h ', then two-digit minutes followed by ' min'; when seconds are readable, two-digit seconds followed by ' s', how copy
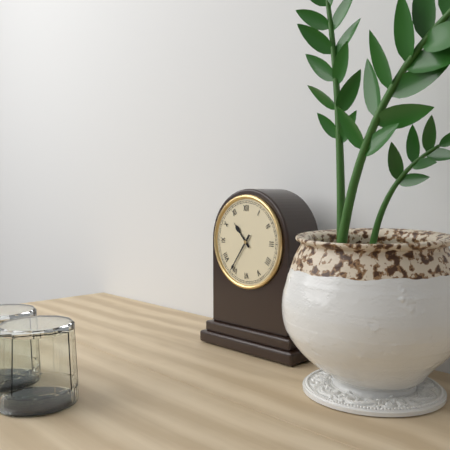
10 h 36 min
